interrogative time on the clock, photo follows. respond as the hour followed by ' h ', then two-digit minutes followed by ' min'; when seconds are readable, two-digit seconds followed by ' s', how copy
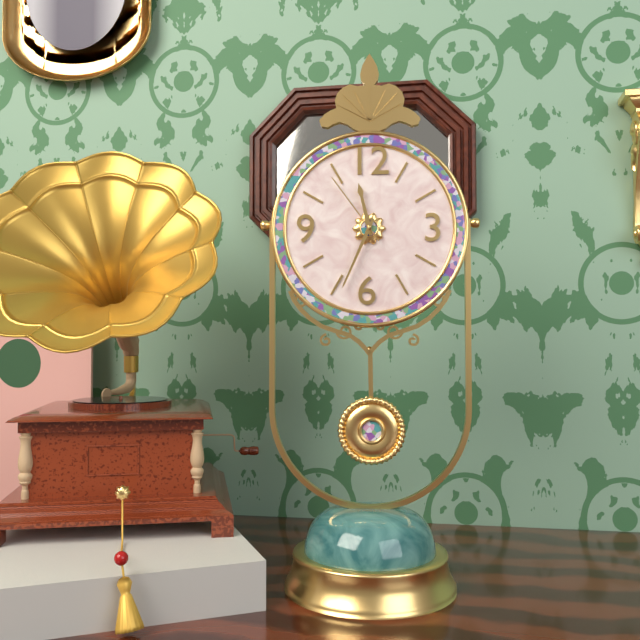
11 h 34 min 54 s
